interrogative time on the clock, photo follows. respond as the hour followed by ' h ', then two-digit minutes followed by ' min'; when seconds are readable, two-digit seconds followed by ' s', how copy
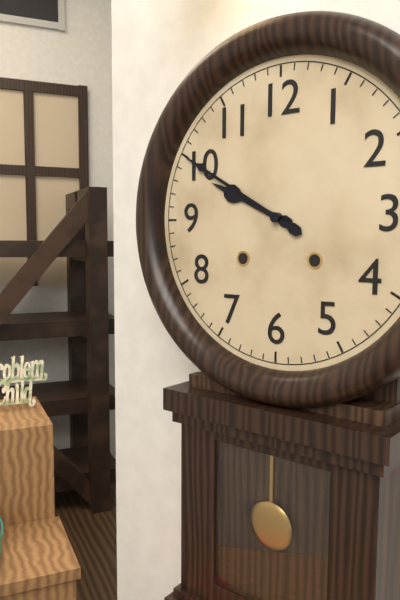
9 h 50 min
